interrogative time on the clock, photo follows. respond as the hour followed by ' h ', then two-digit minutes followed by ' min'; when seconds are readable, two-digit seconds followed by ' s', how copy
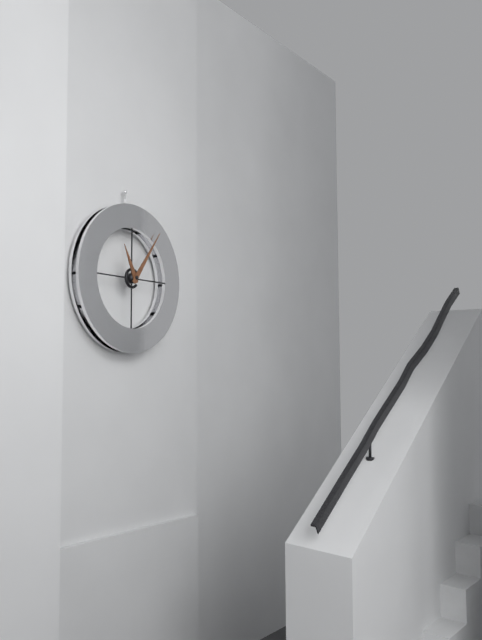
11 h 06 min
